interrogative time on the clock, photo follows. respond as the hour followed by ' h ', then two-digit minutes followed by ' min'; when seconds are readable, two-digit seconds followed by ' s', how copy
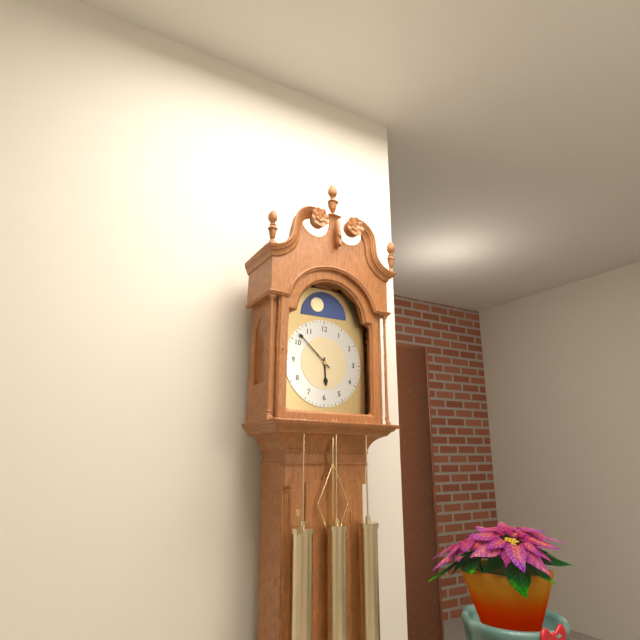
5 h 52 min
